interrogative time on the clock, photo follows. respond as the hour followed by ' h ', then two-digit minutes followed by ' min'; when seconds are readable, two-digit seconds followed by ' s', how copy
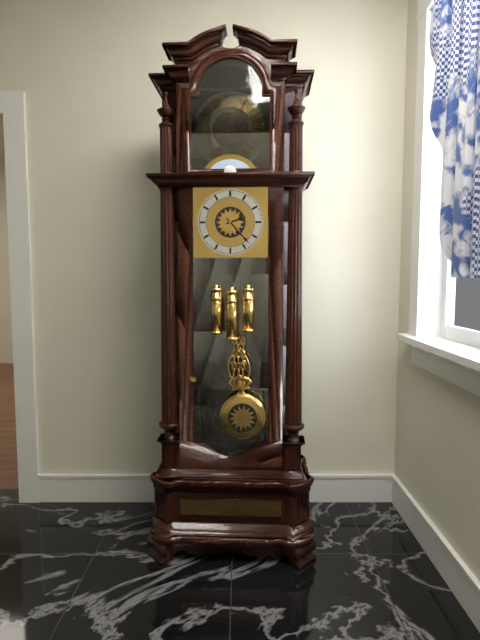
2 h 23 min
